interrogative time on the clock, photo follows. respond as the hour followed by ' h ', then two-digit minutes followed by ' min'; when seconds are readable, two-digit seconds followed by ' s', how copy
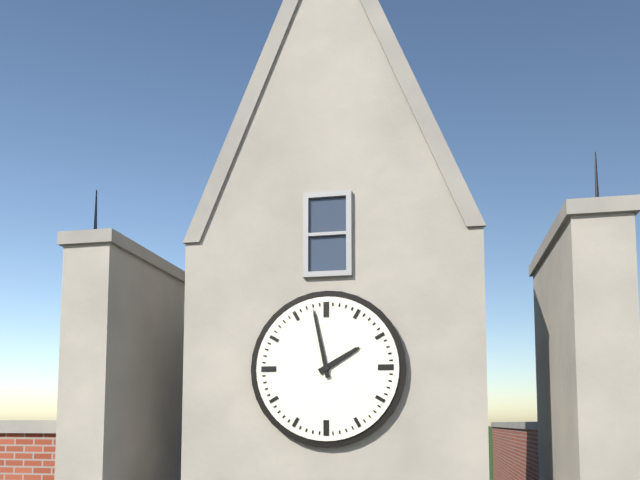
1 h 58 min
